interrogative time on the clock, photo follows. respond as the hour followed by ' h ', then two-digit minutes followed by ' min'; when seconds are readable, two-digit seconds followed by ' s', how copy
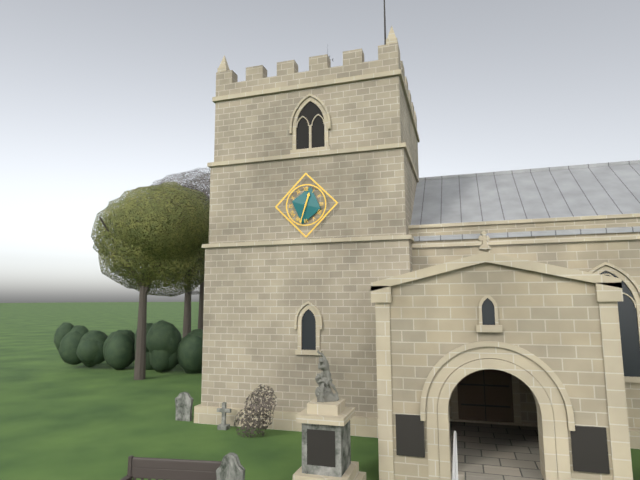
12 h 33 min
